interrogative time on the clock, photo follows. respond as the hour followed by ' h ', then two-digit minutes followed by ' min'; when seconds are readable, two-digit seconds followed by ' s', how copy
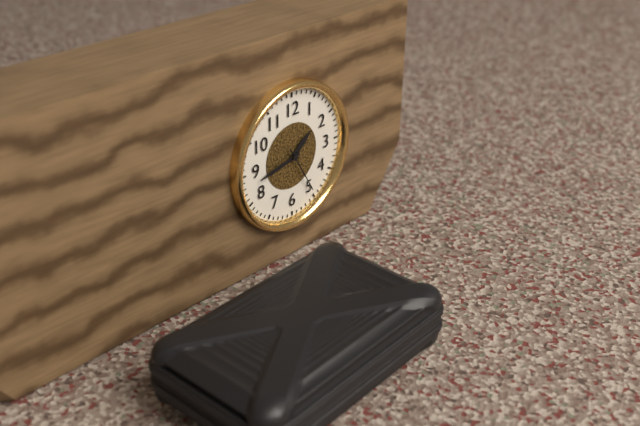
1 h 43 min
